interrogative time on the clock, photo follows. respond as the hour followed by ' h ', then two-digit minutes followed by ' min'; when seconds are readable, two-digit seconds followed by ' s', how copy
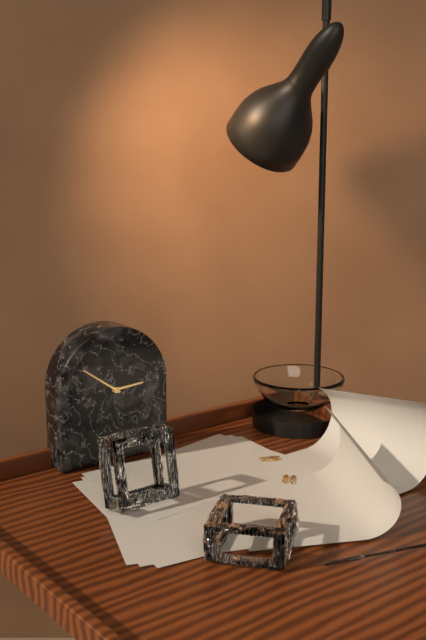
2 h 51 min
